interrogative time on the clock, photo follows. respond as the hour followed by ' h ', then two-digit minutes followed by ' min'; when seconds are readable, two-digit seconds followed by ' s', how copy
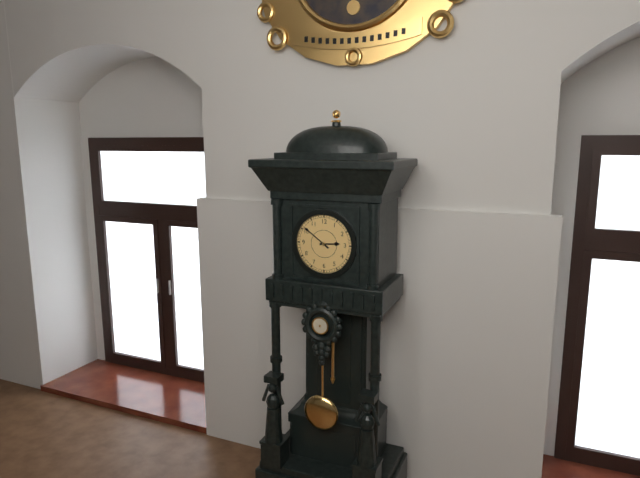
2 h 51 min
